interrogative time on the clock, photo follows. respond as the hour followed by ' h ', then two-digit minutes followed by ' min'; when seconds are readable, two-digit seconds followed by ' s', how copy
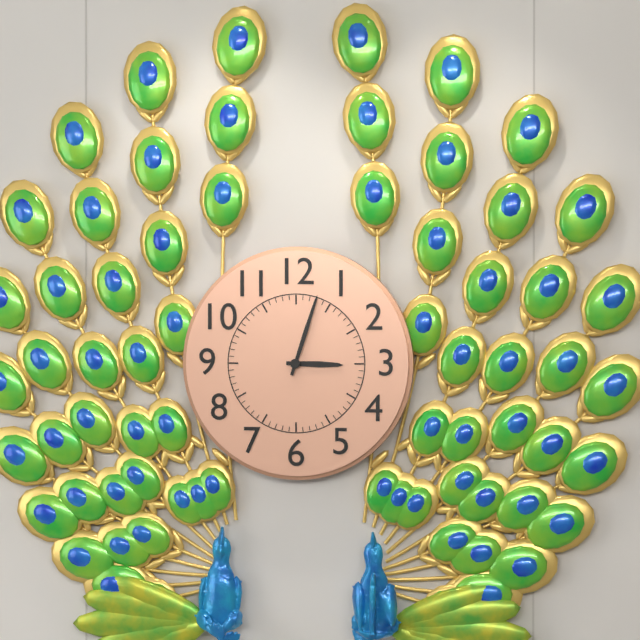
3 h 03 min
